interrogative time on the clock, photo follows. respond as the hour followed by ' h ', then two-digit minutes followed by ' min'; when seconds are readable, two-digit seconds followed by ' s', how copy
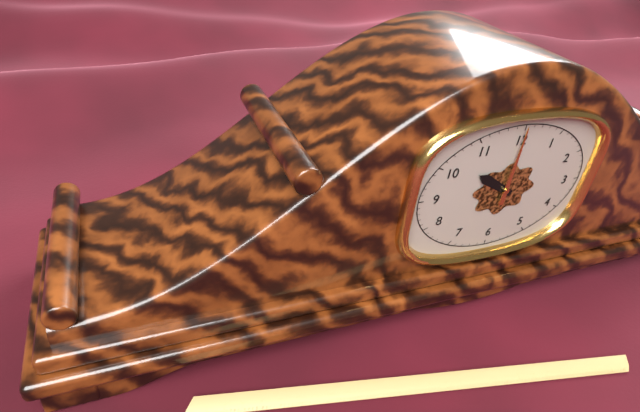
10 h 00 min
